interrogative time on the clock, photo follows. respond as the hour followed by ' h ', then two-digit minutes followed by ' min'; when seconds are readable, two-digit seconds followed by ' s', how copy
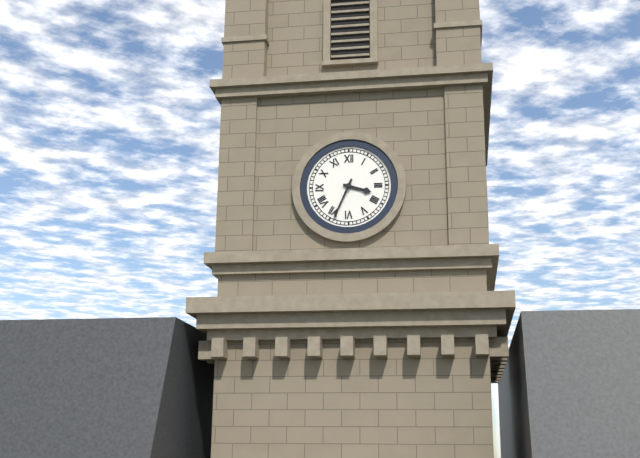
3 h 34 min
